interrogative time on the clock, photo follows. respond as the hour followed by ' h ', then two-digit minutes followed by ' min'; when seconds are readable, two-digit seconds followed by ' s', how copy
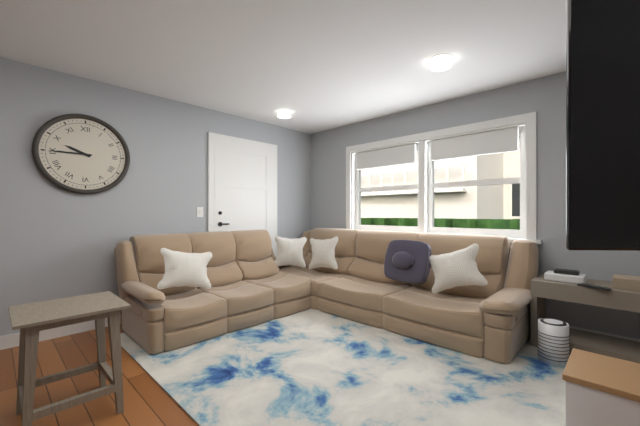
9 h 45 min
